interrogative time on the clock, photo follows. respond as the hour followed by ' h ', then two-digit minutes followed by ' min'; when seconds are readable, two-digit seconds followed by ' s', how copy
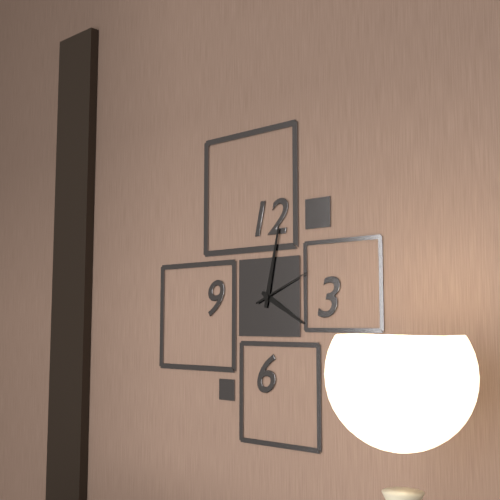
4 h 02 min 11 s
